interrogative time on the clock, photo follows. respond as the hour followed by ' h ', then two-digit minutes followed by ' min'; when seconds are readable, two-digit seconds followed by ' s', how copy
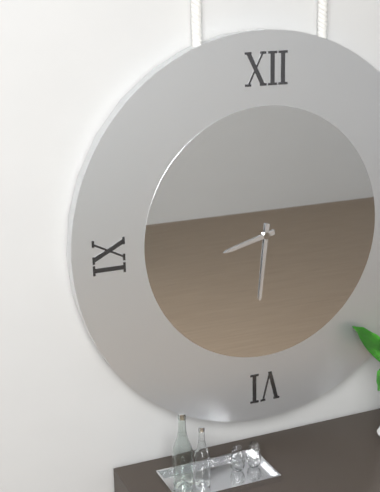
8 h 31 min
